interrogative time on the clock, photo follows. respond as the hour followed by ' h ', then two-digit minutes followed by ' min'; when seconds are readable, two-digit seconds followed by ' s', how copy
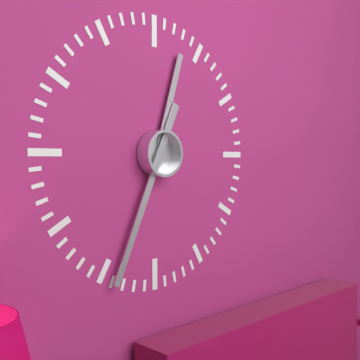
12 h 34 min
